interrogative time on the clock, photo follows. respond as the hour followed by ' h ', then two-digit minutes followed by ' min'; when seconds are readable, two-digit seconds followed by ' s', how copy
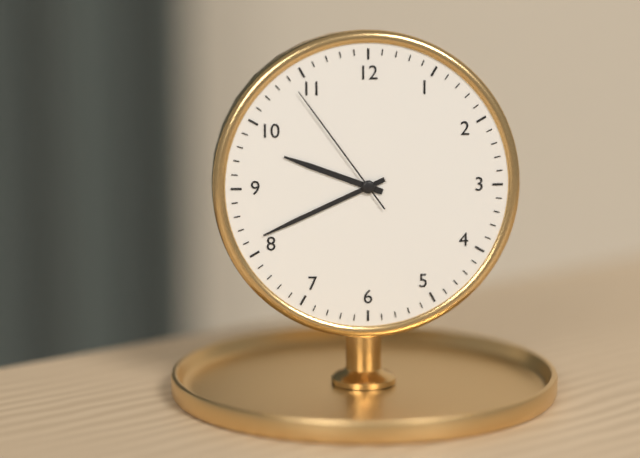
9 h 41 min 54 s
